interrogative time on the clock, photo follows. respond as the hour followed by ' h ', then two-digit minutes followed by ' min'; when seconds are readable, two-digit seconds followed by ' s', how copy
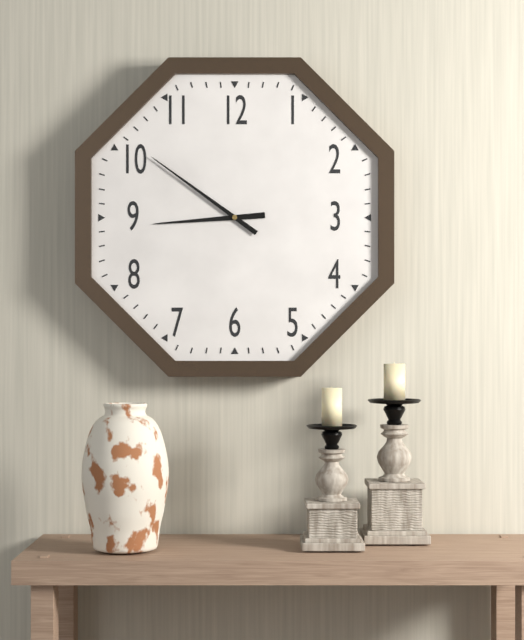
8 h 51 min
